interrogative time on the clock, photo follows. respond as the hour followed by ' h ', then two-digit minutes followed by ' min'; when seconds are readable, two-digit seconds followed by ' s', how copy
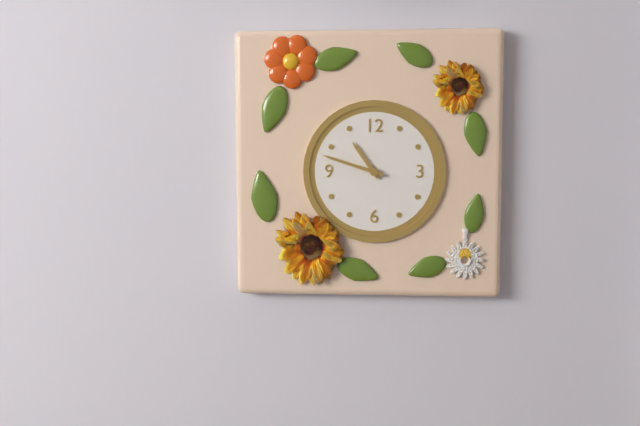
10 h 48 min
